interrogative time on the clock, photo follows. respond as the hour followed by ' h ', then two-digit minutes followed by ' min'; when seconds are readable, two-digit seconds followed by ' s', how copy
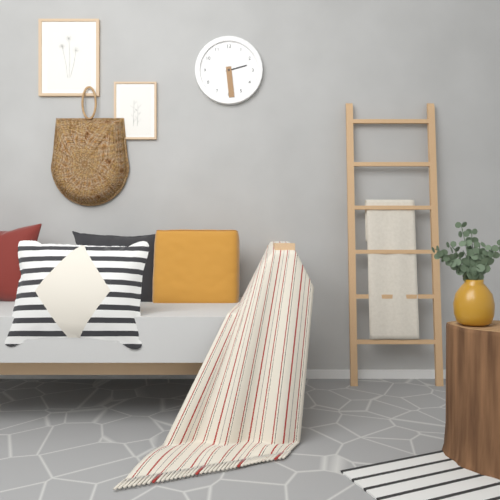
2 h 29 min
